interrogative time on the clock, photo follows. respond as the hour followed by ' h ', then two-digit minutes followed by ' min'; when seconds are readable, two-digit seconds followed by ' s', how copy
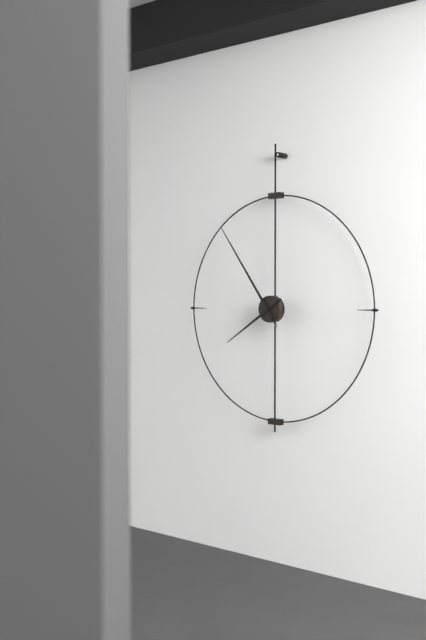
7 h 54 min
